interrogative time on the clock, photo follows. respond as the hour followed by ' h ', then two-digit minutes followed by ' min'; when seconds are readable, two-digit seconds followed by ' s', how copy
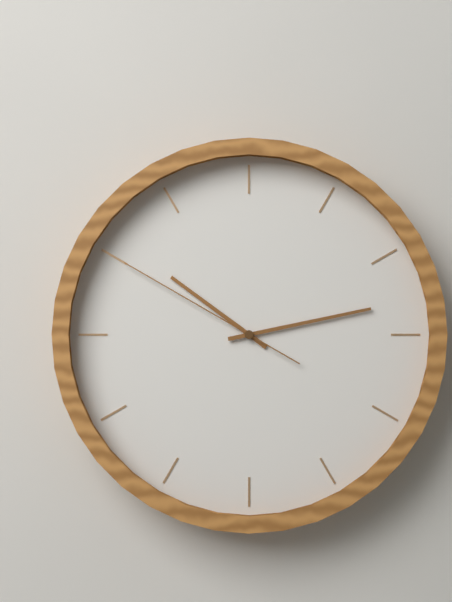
10 h 13 min 50 s
